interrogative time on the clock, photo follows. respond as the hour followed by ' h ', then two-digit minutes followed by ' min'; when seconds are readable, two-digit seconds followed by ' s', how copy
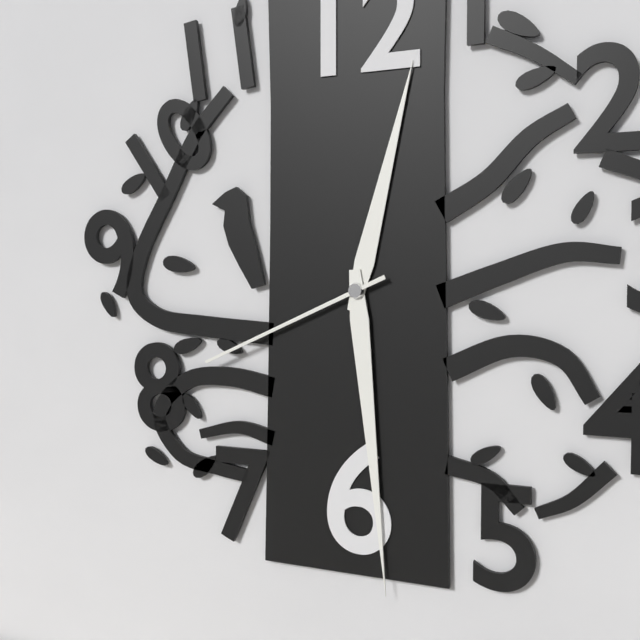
12 h 29 min 41 s
